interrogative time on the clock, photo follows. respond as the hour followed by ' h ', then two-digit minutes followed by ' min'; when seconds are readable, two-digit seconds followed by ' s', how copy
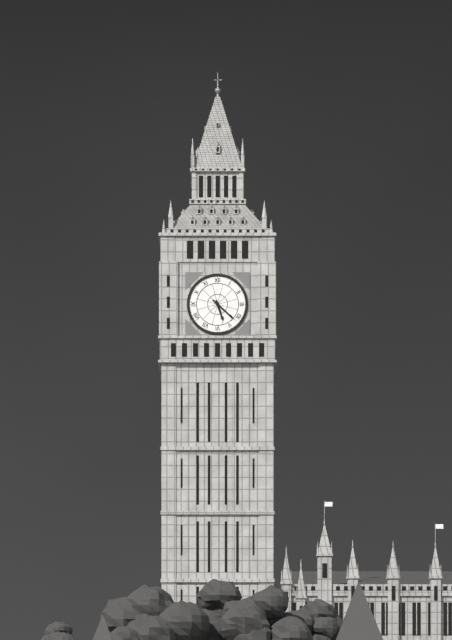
5 h 22 min
